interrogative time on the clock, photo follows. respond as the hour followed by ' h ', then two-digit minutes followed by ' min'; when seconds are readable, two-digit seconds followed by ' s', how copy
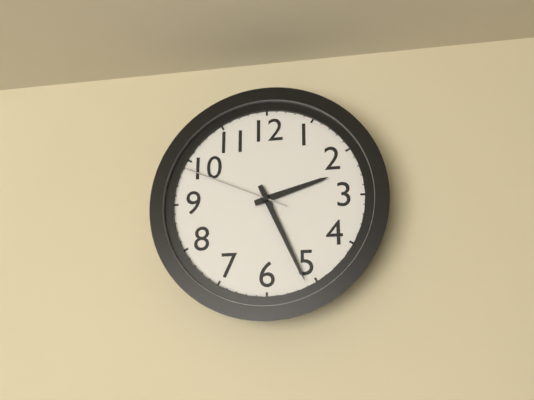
2 h 26 min 49 s
